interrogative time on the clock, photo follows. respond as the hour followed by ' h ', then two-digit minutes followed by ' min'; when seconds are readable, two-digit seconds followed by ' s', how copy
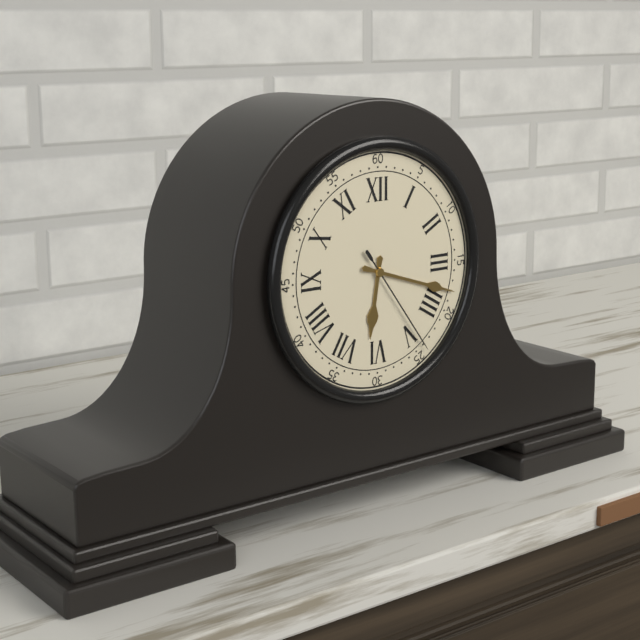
6 h 18 min 24 s
